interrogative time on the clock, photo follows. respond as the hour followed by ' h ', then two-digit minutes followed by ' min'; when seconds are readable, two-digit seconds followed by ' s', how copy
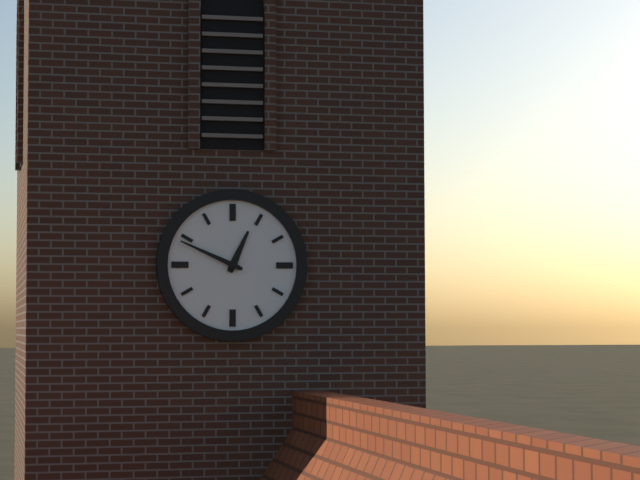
12 h 49 min
